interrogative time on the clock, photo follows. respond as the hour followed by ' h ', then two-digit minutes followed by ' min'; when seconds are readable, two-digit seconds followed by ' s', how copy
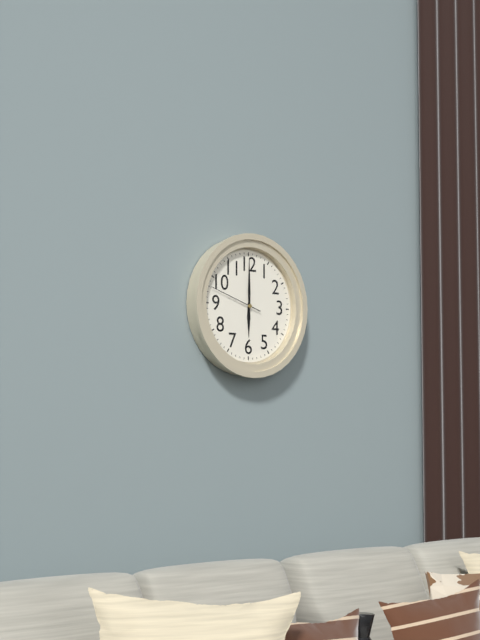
6 h 00 min 48 s
